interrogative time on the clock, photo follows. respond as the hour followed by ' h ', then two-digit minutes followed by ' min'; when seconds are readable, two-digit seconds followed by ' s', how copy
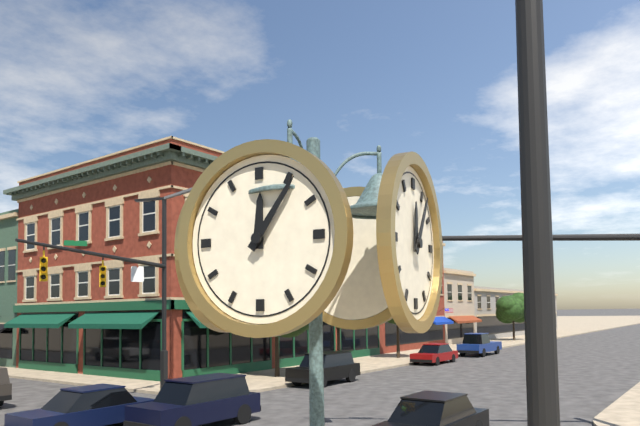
12 h 06 min
